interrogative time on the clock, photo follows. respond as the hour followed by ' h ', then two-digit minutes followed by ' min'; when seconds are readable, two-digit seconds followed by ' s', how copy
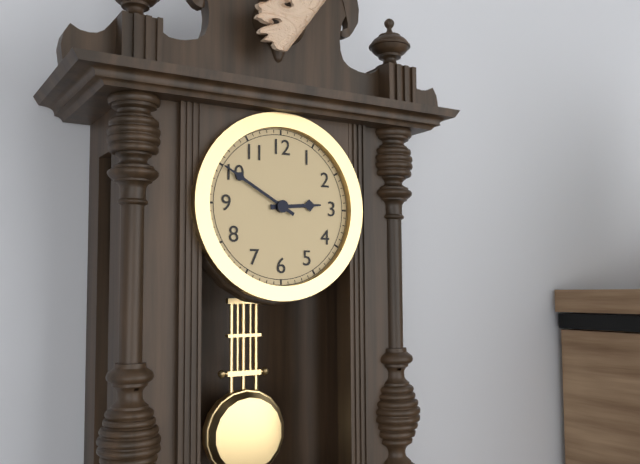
2 h 50 min
